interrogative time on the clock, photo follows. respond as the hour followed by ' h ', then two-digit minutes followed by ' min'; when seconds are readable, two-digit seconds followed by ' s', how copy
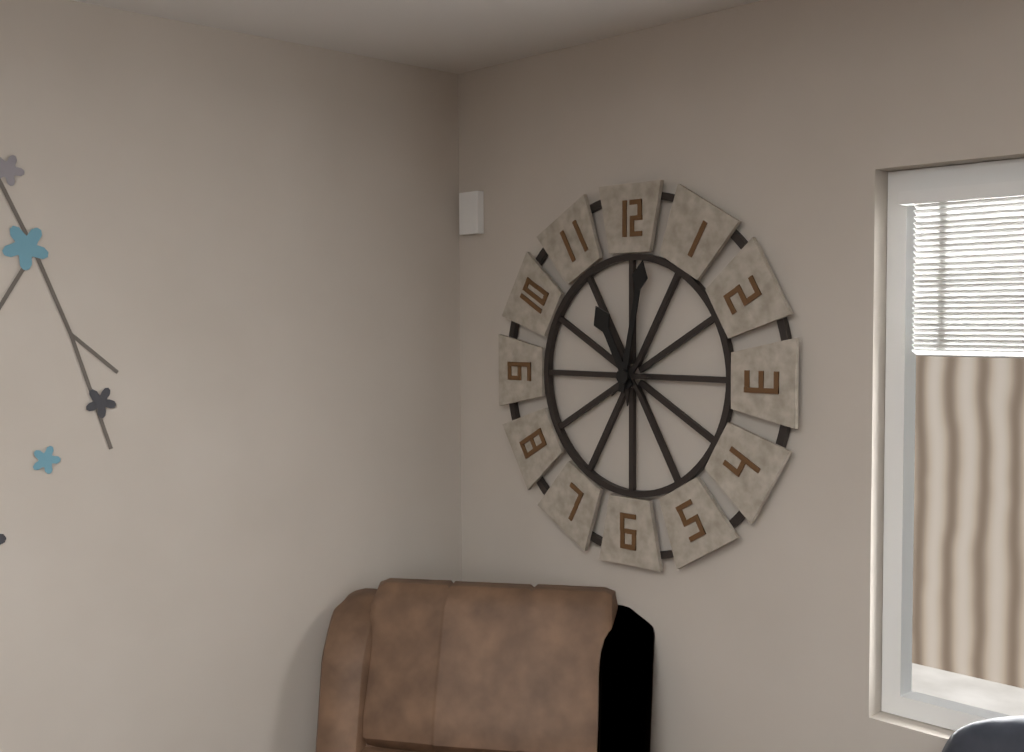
11 h 02 min
